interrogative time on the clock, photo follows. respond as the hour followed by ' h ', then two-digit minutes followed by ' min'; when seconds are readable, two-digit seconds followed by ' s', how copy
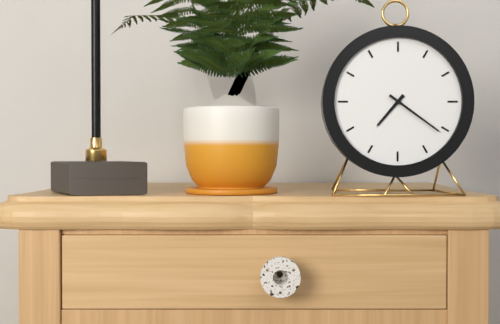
7 h 21 min
